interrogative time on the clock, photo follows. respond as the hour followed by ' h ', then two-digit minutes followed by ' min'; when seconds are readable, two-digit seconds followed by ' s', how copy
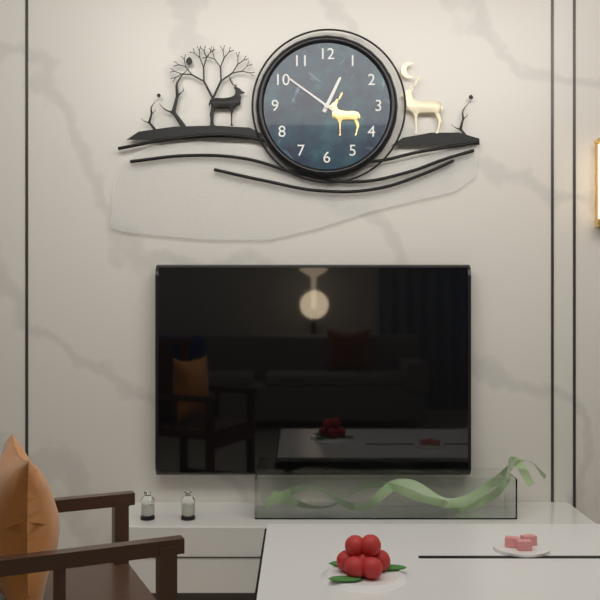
12 h 51 min
